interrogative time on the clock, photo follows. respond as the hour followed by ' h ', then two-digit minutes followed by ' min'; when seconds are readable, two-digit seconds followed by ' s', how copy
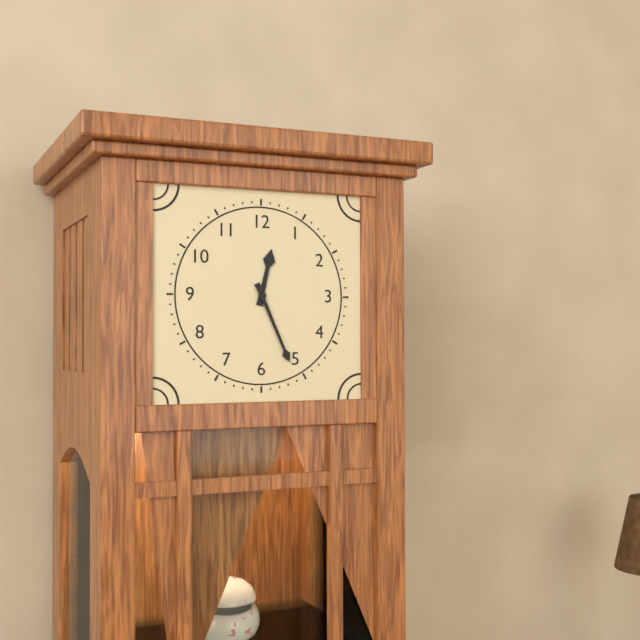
12 h 26 min
